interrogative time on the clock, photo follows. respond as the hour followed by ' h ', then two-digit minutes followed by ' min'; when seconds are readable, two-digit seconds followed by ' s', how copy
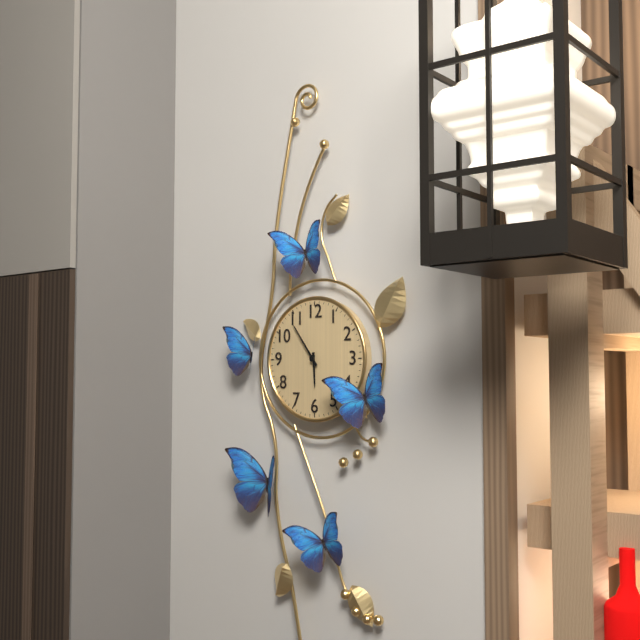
5 h 54 min
